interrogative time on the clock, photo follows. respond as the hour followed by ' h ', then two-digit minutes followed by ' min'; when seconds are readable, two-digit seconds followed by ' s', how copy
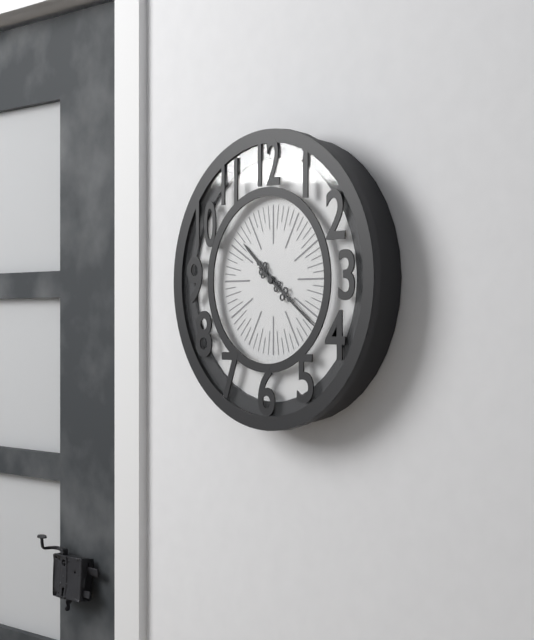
10 h 21 min
